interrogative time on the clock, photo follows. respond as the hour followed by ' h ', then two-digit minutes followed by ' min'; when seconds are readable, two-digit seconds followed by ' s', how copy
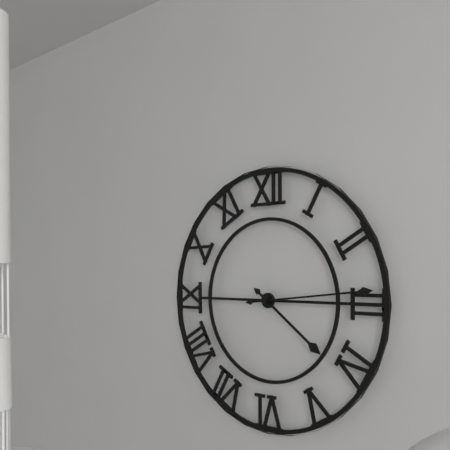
4 h 14 min
